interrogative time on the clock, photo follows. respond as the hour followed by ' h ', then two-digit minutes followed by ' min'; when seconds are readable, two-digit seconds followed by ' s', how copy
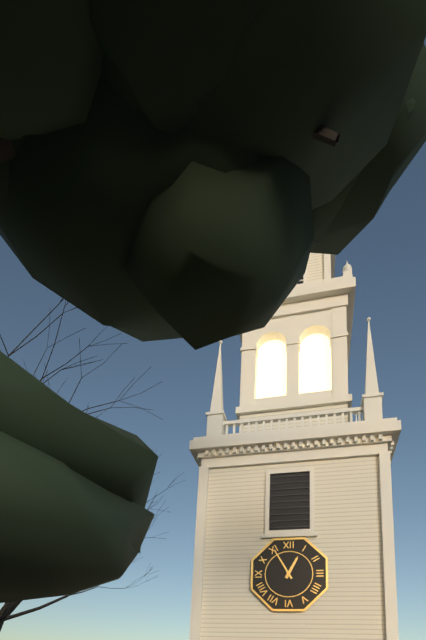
12 h 55 min
